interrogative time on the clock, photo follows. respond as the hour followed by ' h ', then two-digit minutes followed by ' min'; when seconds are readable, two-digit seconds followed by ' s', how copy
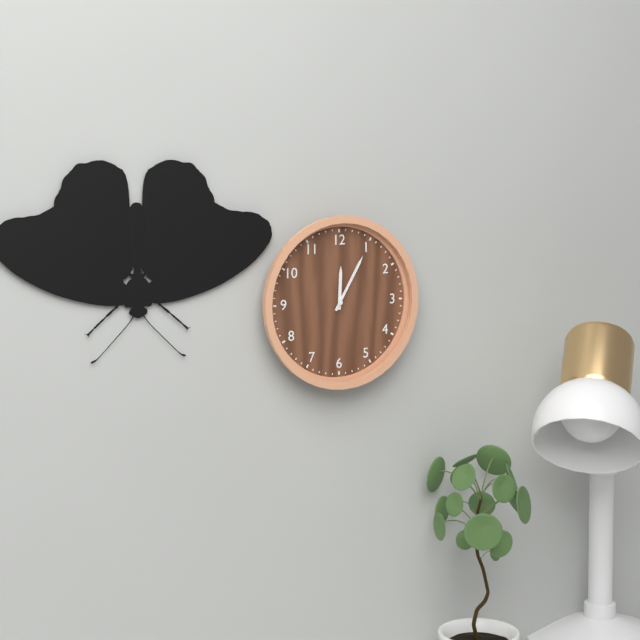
12 h 05 min
